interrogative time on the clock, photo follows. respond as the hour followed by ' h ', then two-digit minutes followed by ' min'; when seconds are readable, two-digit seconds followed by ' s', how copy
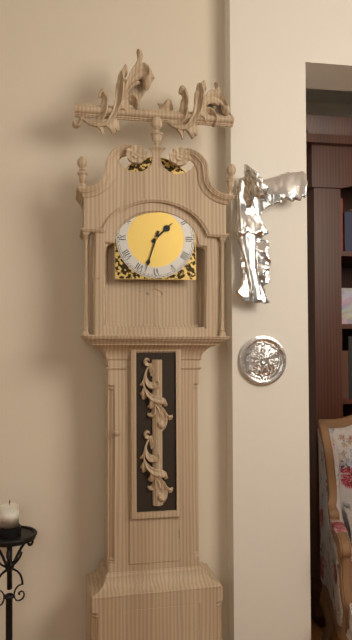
1 h 33 min
